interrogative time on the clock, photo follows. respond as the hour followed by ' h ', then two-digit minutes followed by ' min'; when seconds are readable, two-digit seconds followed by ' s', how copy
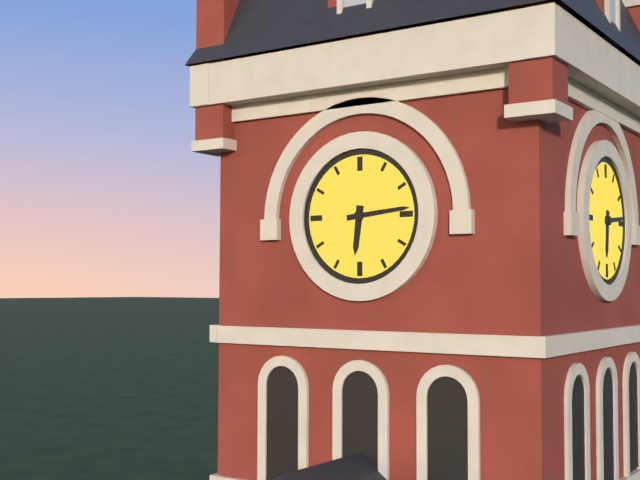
6 h 14 min
